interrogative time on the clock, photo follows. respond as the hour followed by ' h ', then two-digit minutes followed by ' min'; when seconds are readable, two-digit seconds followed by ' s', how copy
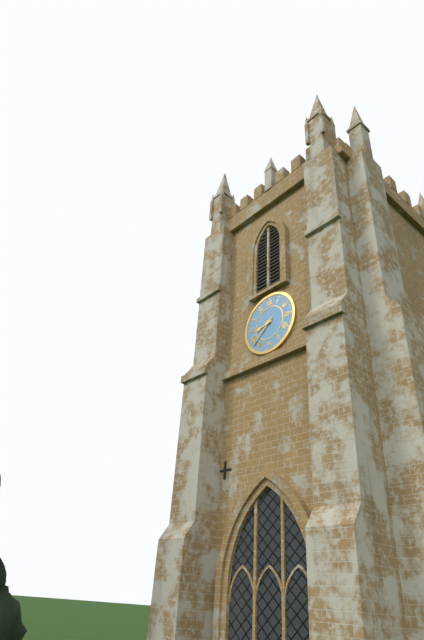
8 h 38 min
